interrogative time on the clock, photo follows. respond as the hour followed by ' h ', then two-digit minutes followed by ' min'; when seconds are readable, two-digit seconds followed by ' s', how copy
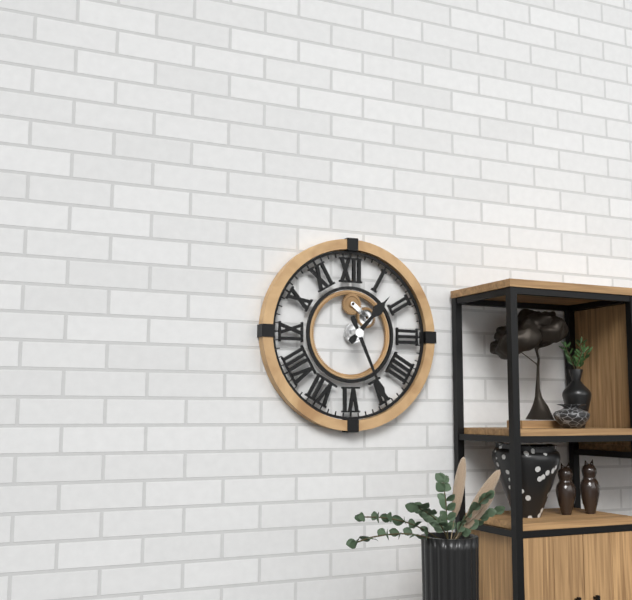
1 h 26 min
